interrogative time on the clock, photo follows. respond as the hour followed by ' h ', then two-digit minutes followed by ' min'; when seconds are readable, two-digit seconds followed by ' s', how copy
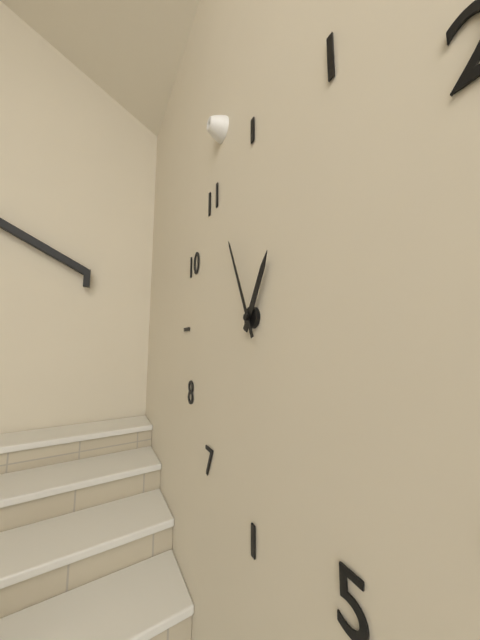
12 h 56 min
